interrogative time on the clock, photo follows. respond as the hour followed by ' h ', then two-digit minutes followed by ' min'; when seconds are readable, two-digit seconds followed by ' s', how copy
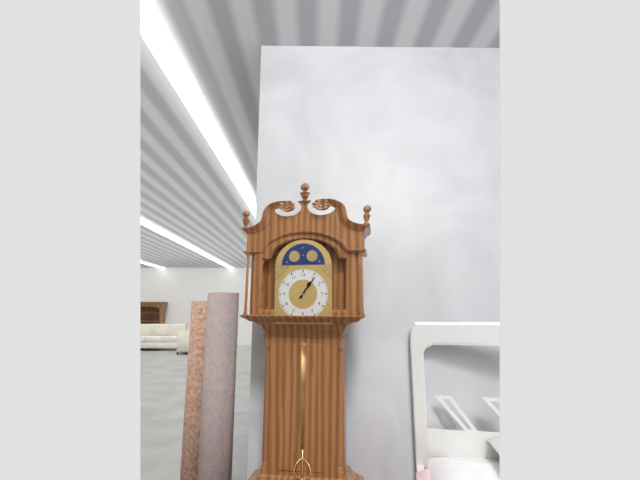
1 h 06 min
